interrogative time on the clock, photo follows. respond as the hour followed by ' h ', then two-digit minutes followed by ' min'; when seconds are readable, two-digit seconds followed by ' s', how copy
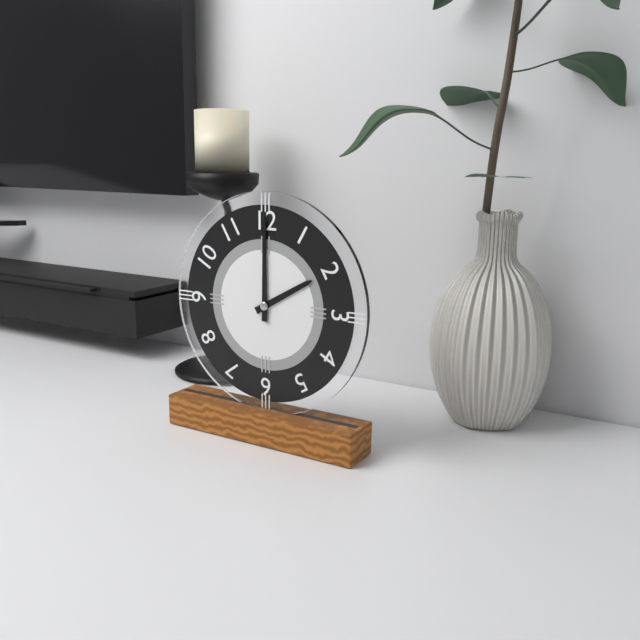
2 h 00 min
